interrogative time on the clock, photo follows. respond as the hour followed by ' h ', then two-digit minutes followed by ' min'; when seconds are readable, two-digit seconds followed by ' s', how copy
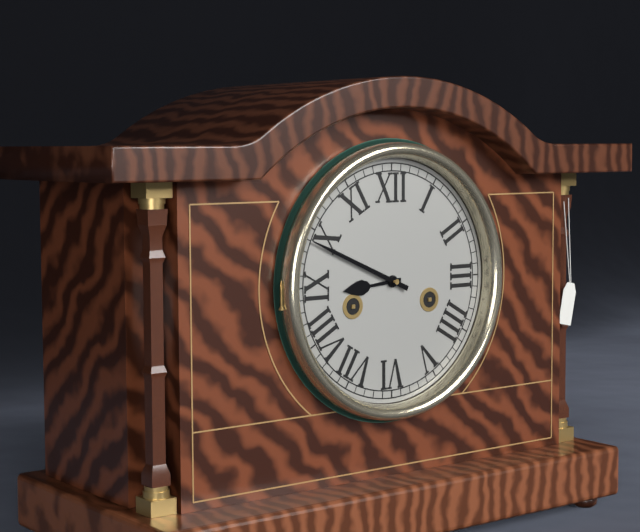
8 h 49 min
